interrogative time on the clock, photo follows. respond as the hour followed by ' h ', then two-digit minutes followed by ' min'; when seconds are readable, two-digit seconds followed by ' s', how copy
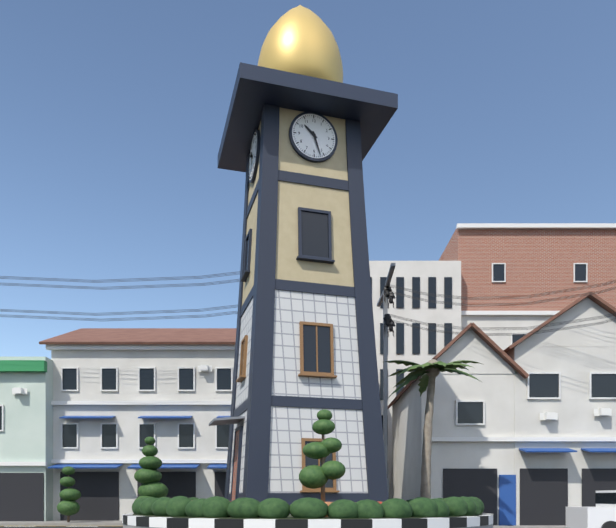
10 h 27 min
